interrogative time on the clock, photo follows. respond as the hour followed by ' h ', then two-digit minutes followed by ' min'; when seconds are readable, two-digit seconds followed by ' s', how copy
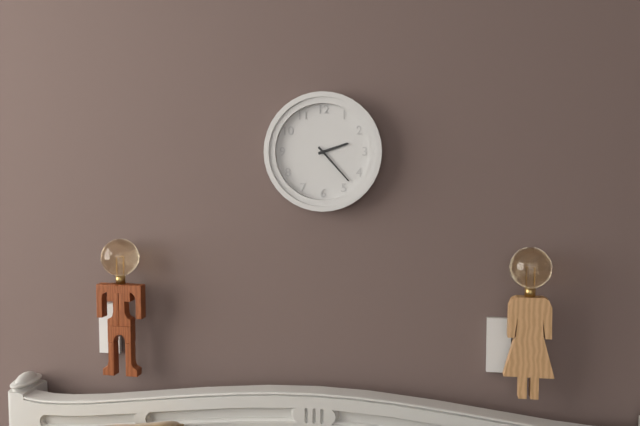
2 h 23 min
